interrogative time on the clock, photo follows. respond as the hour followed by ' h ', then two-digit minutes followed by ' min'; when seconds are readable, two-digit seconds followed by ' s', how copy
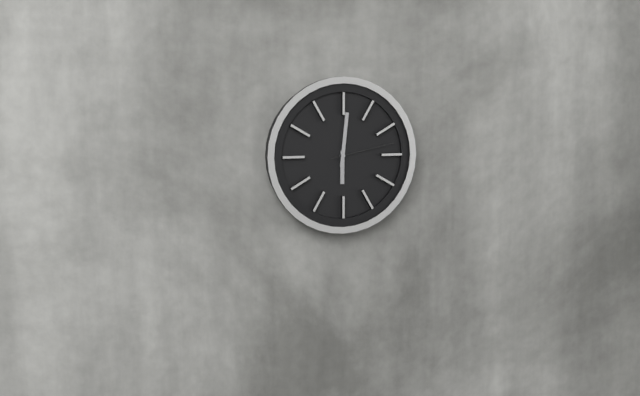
6 h 01 min 13 s
